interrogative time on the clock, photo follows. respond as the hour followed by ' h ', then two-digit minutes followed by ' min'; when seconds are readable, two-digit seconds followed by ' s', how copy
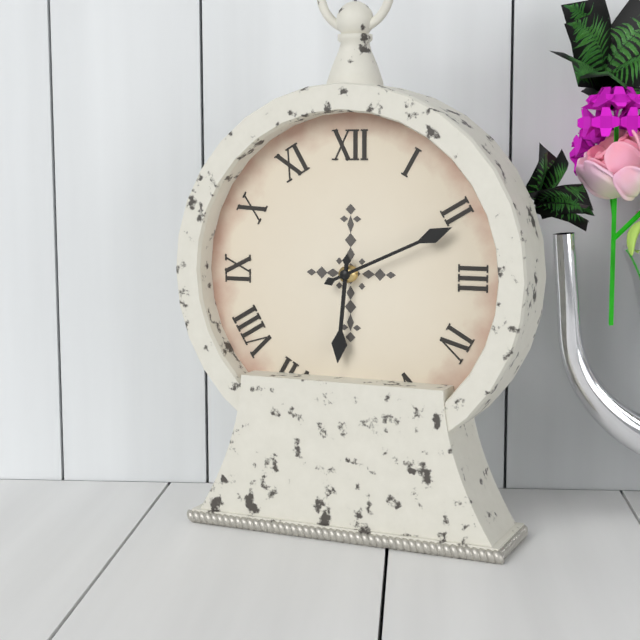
6 h 11 min
